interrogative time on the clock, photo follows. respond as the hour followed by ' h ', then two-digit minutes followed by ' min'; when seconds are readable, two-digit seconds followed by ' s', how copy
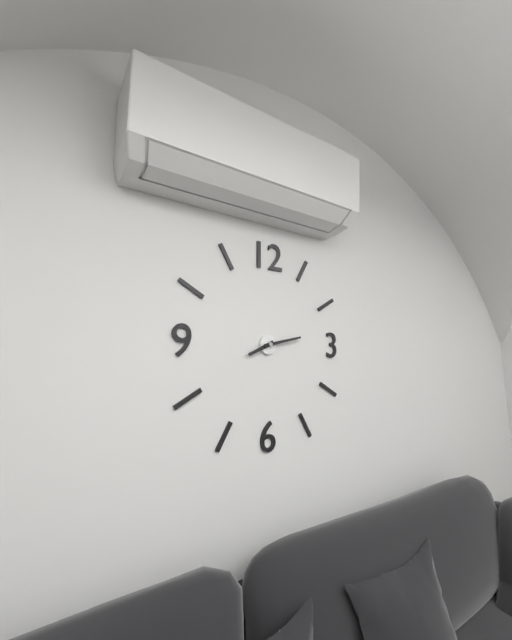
8 h 13 min
